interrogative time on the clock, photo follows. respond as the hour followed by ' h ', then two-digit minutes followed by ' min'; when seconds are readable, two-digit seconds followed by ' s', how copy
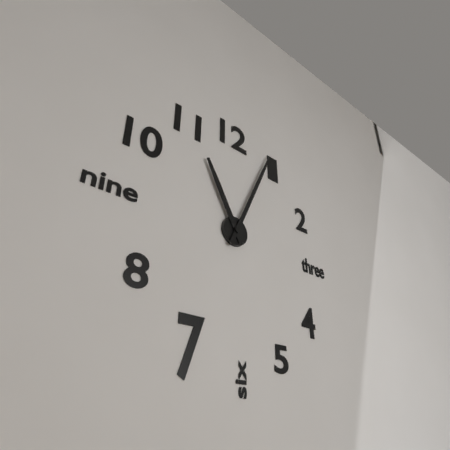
11 h 04 min
